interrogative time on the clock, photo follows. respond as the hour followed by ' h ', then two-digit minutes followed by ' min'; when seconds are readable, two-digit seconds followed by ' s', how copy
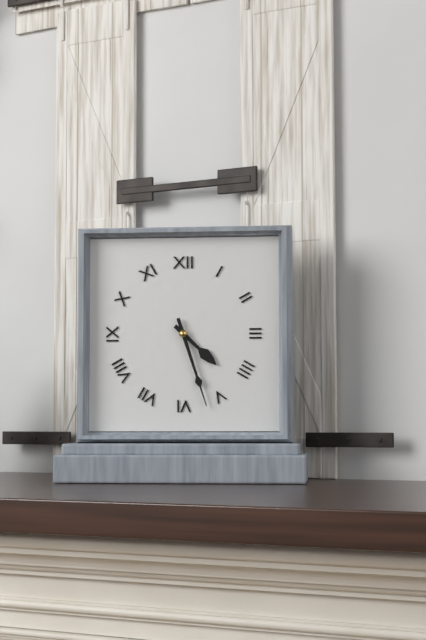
4 h 27 min
